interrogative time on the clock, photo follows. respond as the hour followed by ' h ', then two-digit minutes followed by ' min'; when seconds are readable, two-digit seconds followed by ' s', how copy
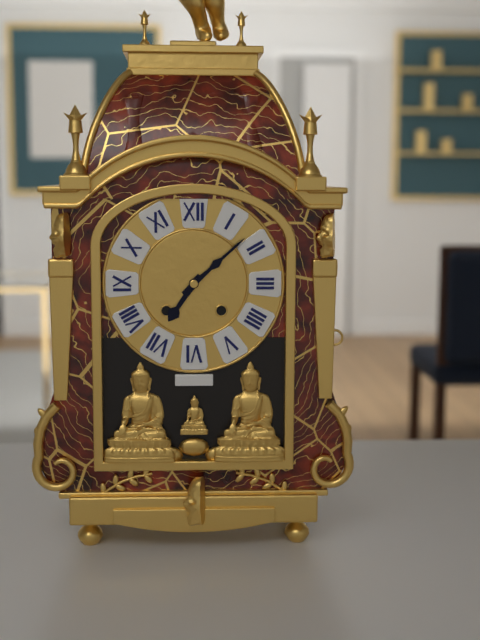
7 h 08 min
